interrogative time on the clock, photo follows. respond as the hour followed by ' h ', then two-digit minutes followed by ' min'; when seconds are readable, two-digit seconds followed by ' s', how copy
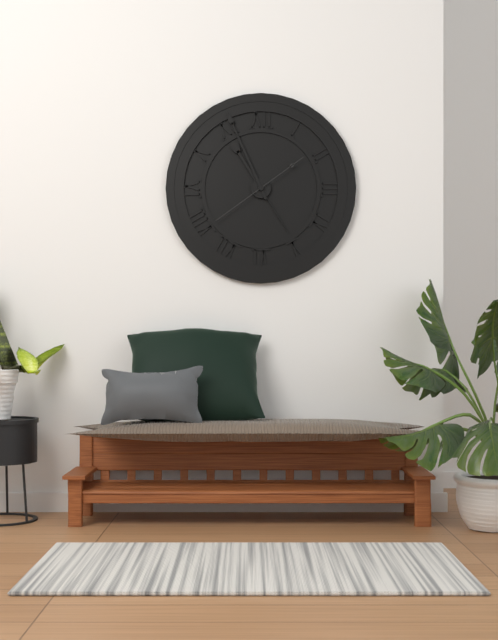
10 h 56 min 39 s
